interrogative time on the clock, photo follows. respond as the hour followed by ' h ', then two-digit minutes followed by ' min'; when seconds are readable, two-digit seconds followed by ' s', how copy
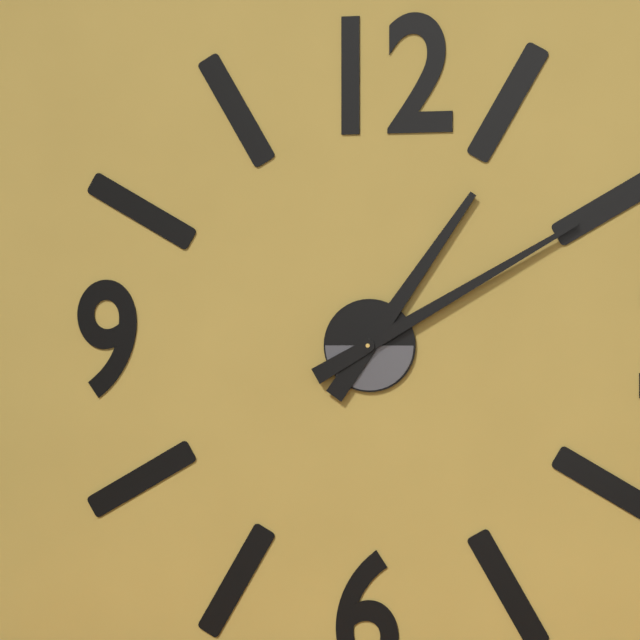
1 h 10 min
